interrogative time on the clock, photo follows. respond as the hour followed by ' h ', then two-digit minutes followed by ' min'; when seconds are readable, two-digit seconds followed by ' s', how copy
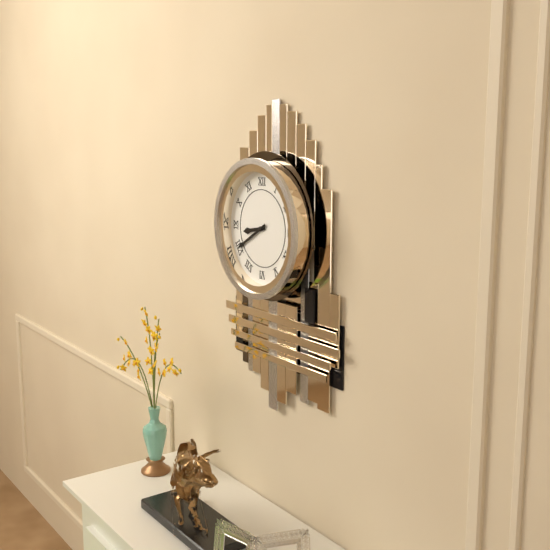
8 h 40 min
